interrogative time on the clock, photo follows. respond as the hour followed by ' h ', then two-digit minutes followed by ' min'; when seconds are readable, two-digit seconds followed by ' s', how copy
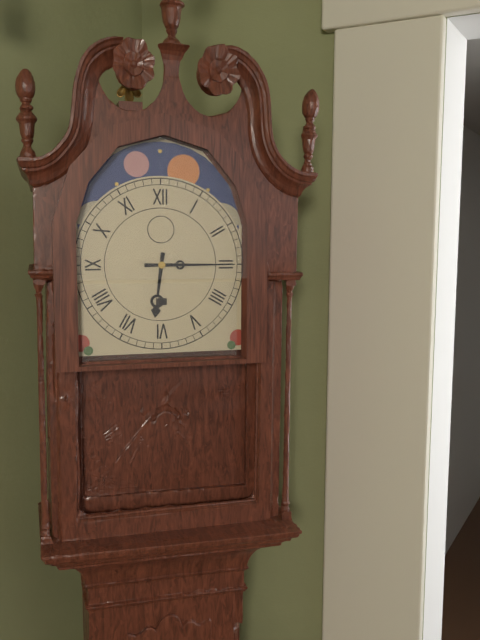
6 h 15 min
